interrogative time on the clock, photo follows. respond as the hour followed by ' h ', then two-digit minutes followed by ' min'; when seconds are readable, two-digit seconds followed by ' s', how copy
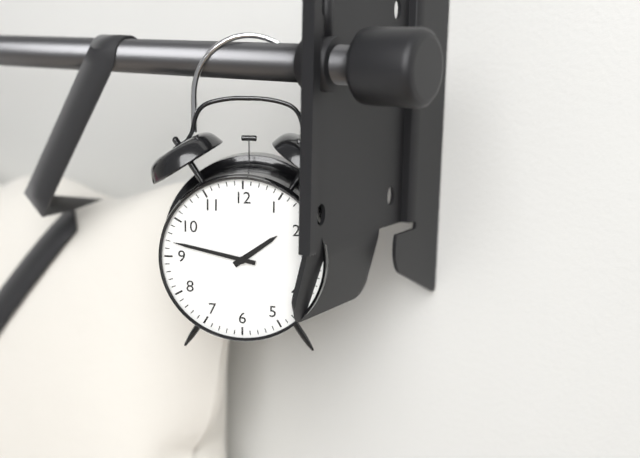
1 h 47 min
